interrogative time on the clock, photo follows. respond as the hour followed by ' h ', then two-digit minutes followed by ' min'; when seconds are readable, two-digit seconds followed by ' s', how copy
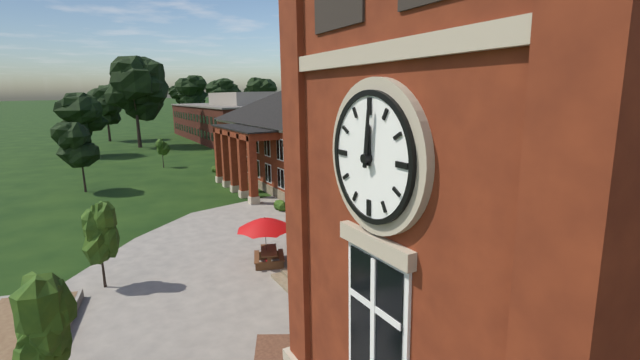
12 h 01 min
